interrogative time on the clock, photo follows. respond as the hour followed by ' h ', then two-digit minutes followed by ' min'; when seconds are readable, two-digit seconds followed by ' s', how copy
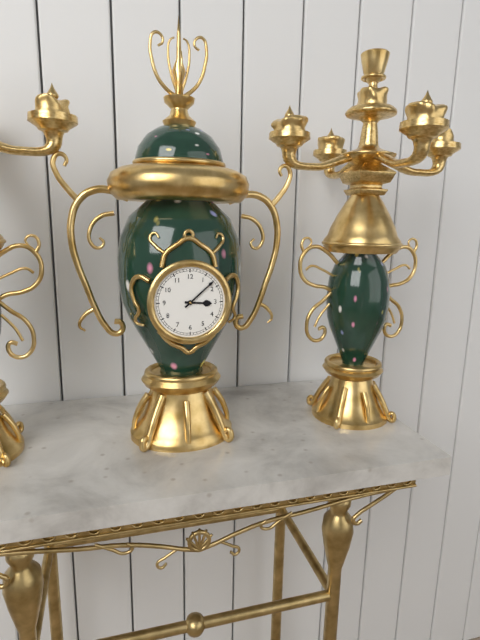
3 h 08 min
